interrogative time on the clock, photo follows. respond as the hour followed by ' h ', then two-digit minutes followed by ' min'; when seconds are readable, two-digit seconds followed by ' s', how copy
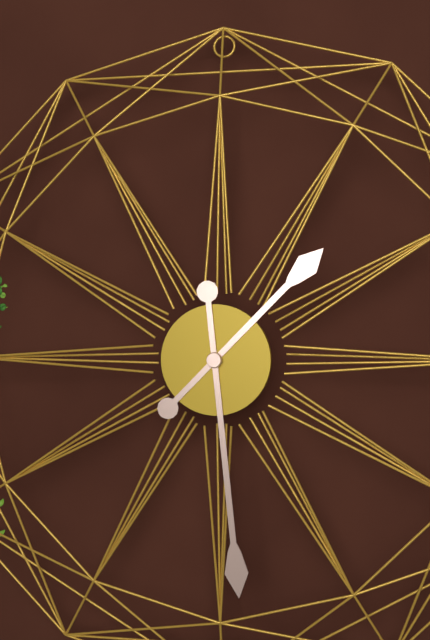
1 h 29 min
